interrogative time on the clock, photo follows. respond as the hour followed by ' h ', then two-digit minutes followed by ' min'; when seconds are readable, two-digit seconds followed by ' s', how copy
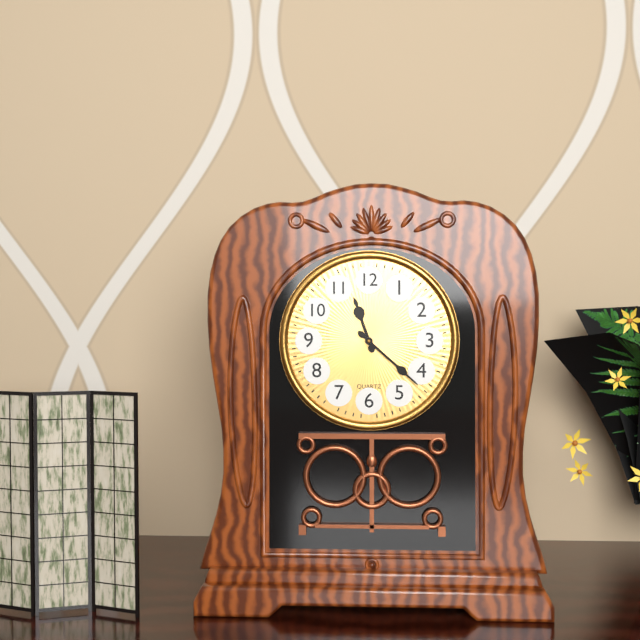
11 h 22 min
